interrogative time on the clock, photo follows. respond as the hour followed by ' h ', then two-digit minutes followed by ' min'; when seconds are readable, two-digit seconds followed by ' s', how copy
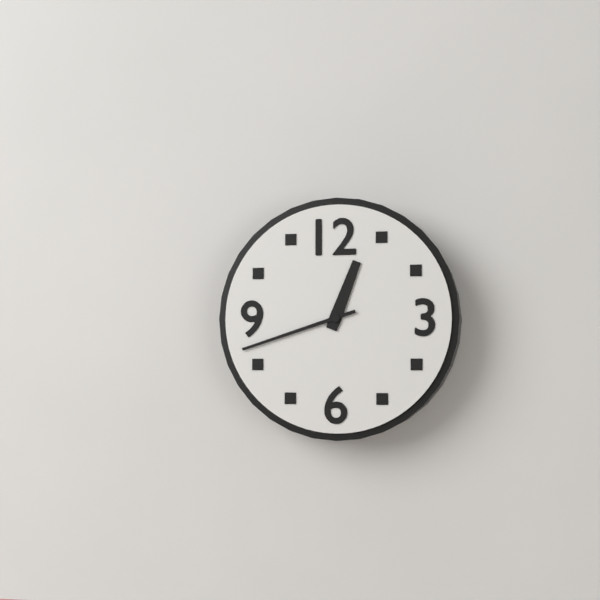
12 h 42 min
